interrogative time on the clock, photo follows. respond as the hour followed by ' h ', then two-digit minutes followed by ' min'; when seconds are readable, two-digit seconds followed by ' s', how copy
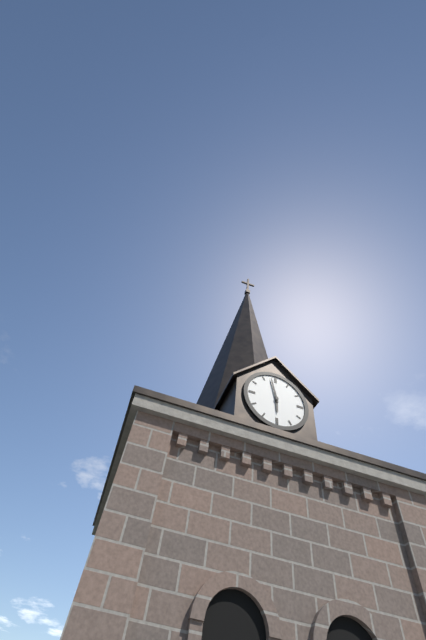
5 h 58 min
